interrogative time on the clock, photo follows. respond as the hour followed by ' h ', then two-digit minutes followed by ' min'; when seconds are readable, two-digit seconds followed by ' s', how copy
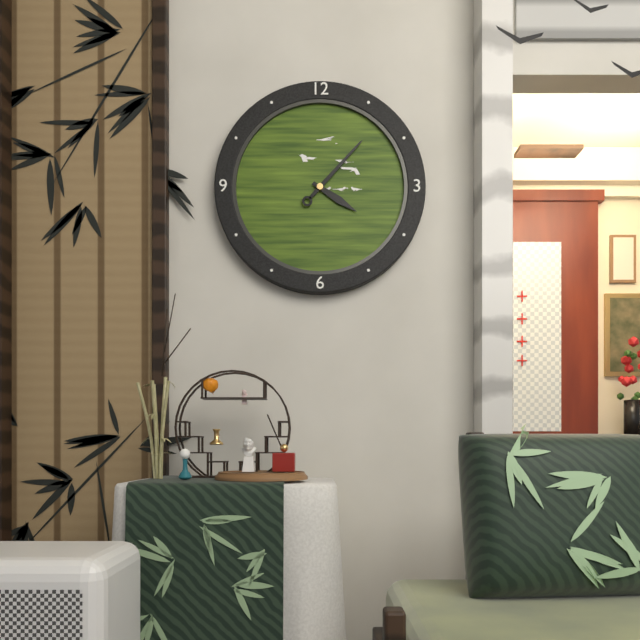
4 h 07 min
